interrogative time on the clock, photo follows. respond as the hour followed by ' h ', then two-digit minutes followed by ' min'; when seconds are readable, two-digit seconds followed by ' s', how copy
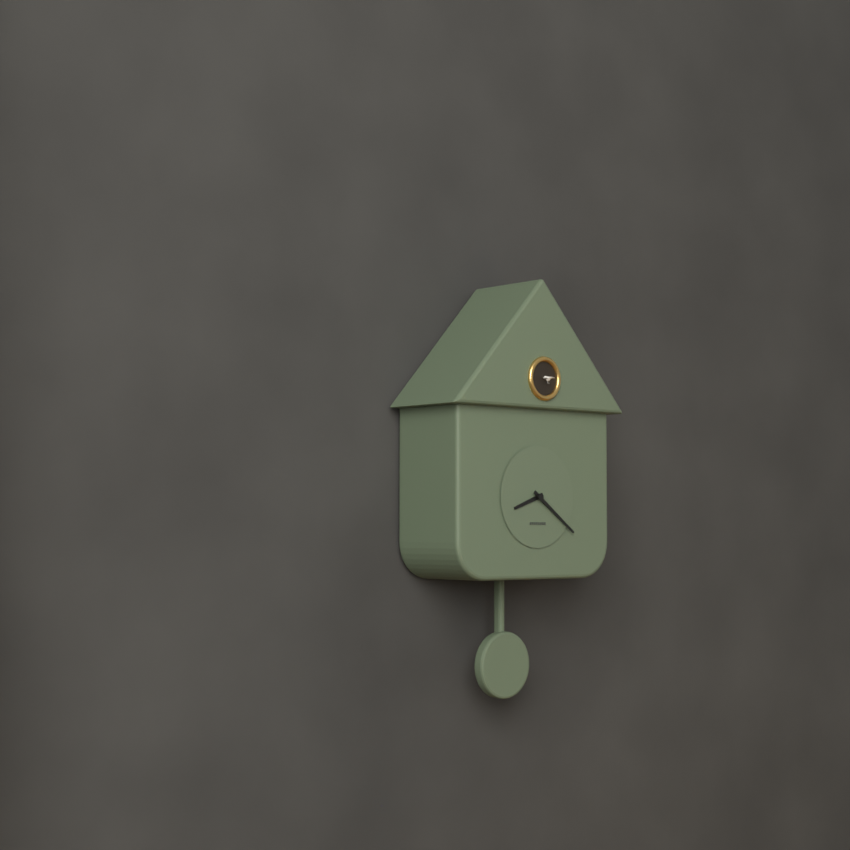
8 h 21 min
